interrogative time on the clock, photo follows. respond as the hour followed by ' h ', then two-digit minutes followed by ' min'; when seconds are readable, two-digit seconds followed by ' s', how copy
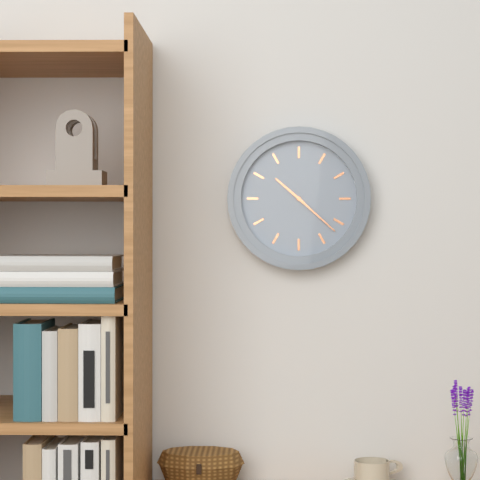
10 h 22 min
